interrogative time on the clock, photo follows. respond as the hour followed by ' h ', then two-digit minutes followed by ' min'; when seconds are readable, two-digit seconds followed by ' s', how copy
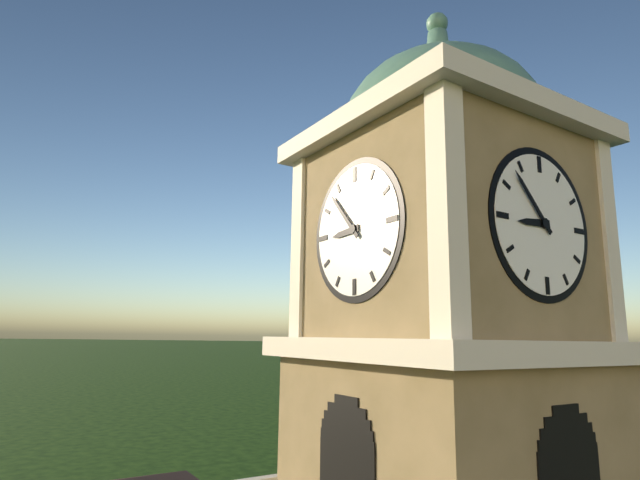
8 h 53 min
